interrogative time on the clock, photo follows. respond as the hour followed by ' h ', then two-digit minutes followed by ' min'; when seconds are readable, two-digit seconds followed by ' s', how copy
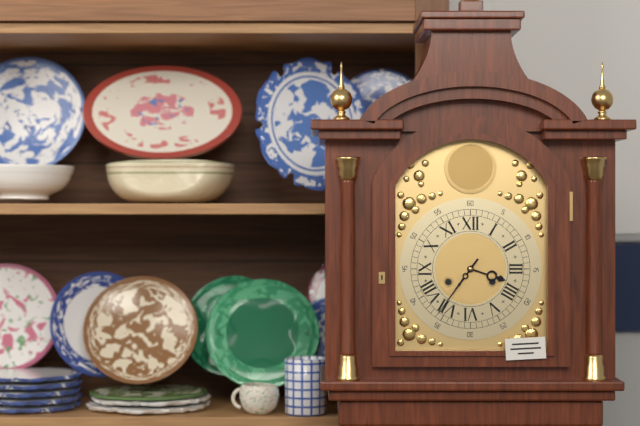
3 h 36 min
